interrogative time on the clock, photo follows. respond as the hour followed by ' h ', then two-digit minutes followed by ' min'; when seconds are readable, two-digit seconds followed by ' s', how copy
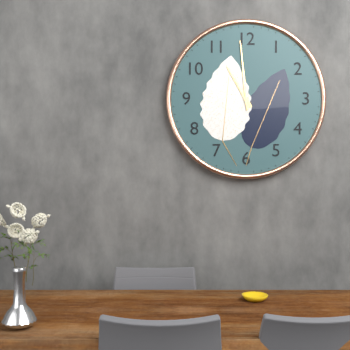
10 h 59 min
